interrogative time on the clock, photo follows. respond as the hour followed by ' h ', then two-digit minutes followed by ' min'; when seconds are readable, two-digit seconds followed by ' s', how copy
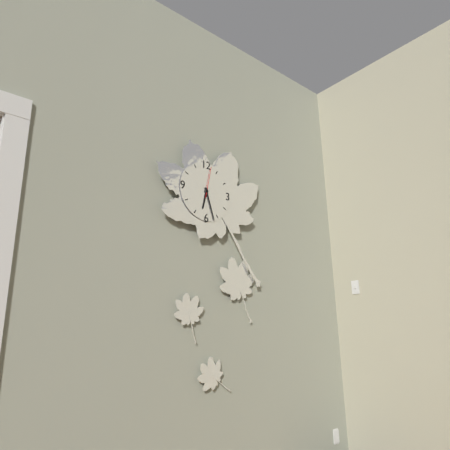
6 h 27 min
